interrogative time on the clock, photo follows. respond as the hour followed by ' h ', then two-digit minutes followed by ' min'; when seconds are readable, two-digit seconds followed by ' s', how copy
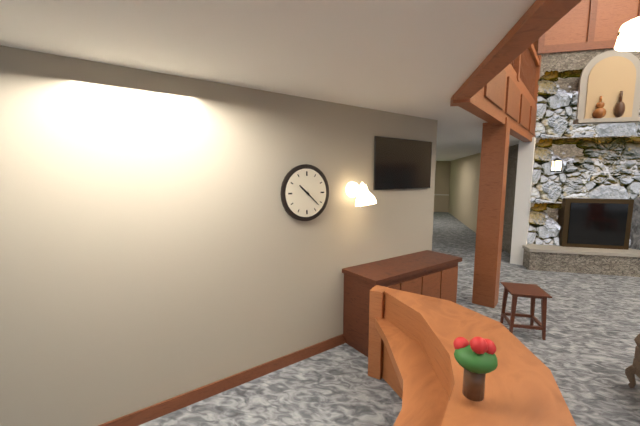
10 h 22 min
